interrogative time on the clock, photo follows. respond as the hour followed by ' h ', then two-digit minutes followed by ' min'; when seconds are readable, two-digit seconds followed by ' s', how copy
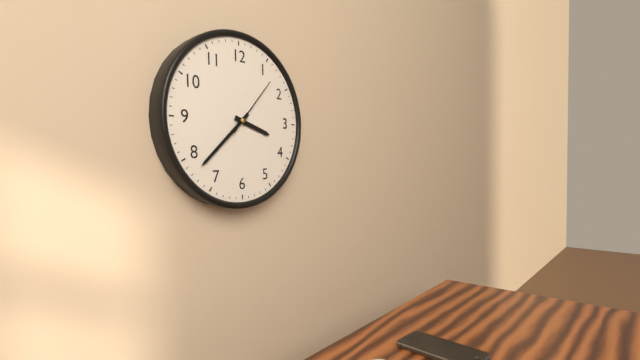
3 h 38 min 07 s
